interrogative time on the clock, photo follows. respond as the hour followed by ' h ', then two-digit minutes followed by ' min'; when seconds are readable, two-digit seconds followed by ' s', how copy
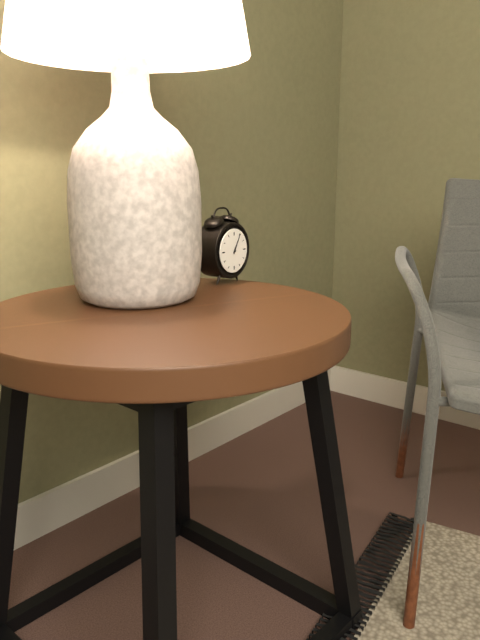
1 h 05 min
